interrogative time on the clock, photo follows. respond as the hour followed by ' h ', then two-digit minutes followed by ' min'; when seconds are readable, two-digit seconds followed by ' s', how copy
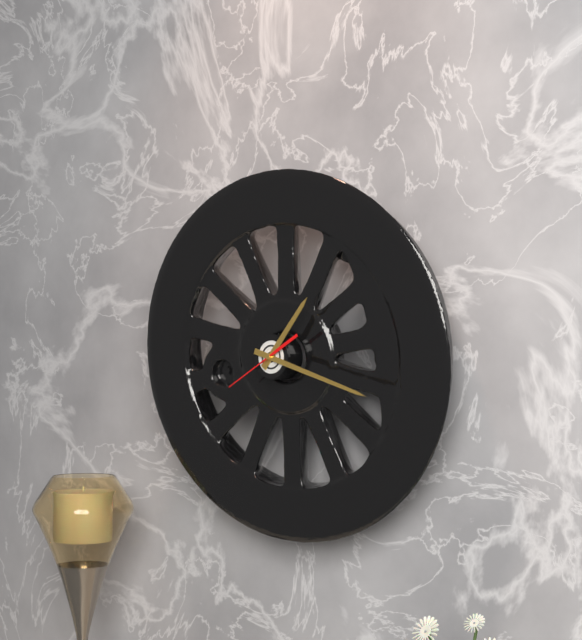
1 h 18 min 40 s
